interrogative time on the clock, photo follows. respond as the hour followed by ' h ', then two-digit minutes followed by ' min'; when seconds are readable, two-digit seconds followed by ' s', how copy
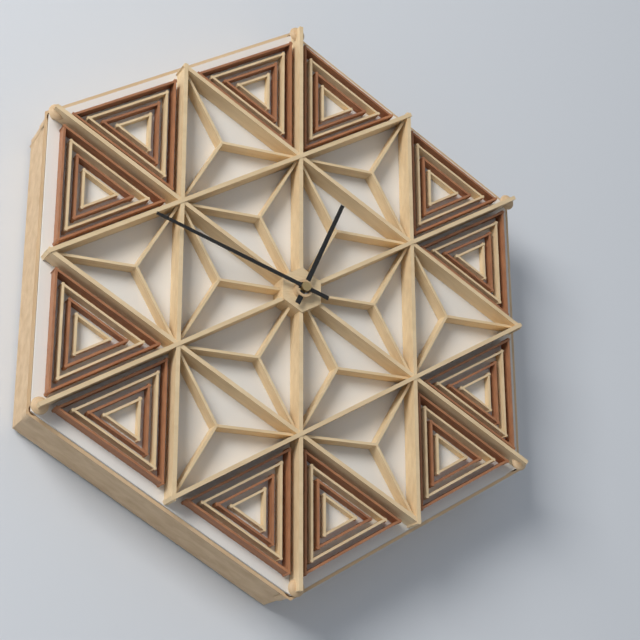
12 h 48 min
